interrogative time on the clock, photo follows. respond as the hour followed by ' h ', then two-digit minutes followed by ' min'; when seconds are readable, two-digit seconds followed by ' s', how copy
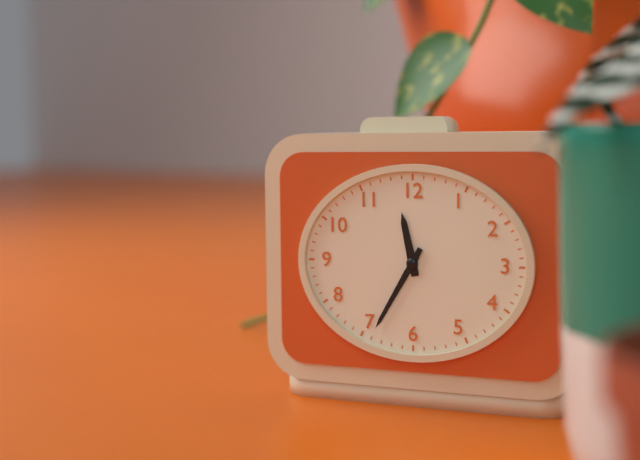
11 h 35 min
